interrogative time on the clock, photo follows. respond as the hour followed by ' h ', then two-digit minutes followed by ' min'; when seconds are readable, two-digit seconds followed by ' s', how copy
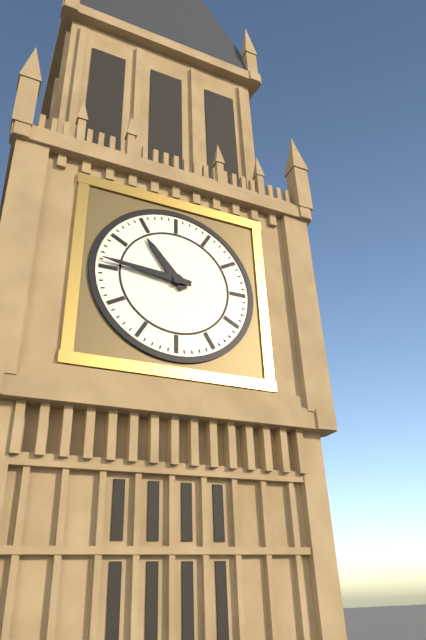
10 h 46 min
